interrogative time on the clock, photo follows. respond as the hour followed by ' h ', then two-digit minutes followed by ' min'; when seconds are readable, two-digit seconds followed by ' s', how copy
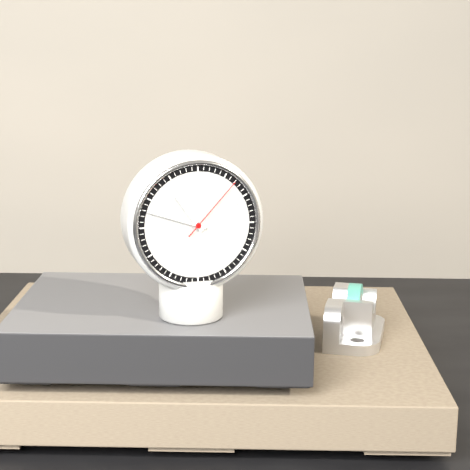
10 h 48 min 07 s
